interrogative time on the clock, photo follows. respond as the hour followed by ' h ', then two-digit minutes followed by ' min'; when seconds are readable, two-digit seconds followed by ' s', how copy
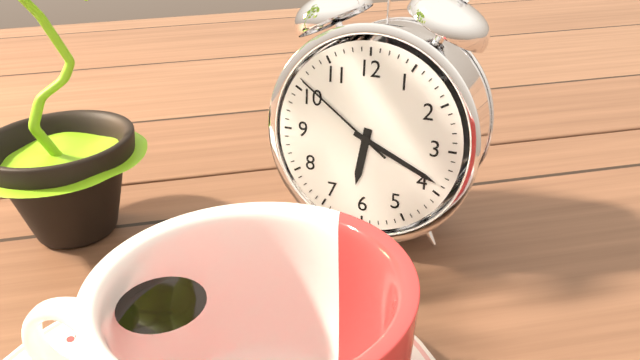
6 h 19 min 51 s
